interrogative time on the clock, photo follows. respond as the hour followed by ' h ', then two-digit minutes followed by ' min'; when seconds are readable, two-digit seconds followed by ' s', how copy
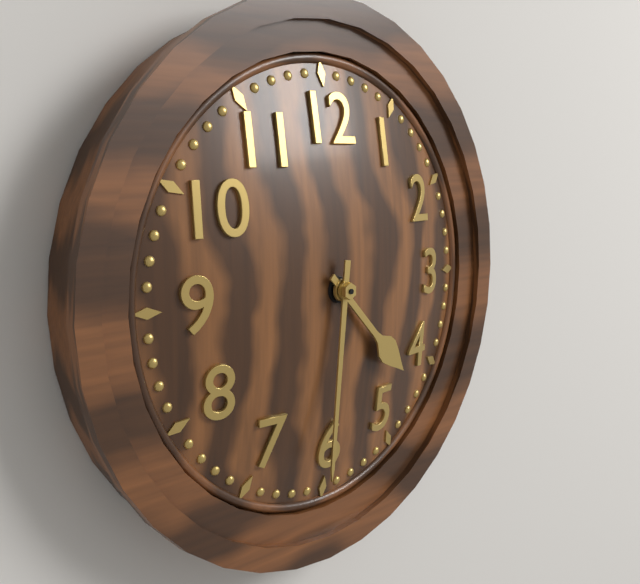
4 h 31 min
